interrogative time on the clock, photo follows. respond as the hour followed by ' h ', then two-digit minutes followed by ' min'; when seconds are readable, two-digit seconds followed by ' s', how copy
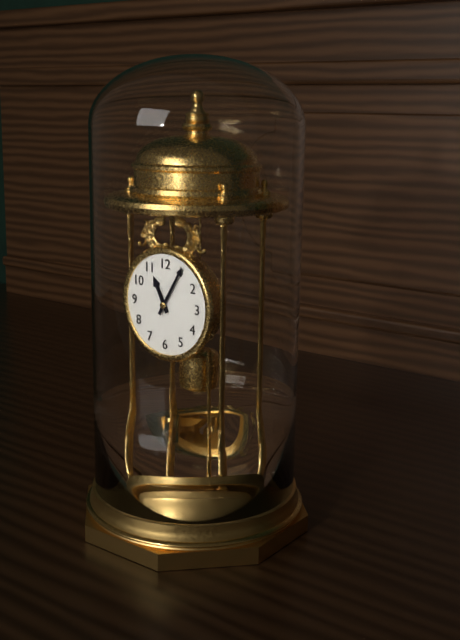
11 h 05 min
